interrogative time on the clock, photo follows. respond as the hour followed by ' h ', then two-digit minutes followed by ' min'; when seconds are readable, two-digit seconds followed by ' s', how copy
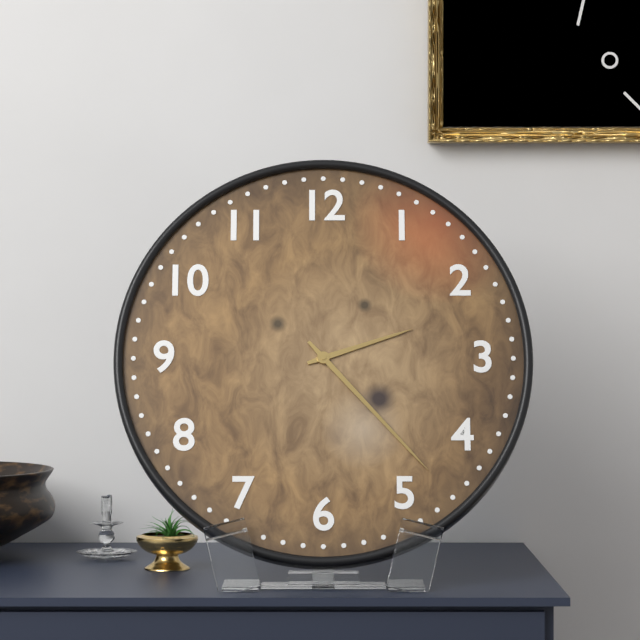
2 h 23 min
